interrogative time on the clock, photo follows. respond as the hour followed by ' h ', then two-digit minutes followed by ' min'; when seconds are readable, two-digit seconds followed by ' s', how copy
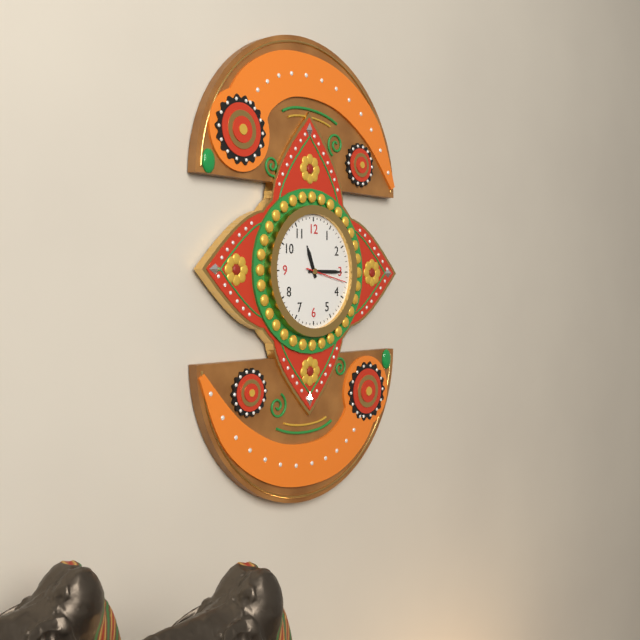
11 h 15 min 17 s
